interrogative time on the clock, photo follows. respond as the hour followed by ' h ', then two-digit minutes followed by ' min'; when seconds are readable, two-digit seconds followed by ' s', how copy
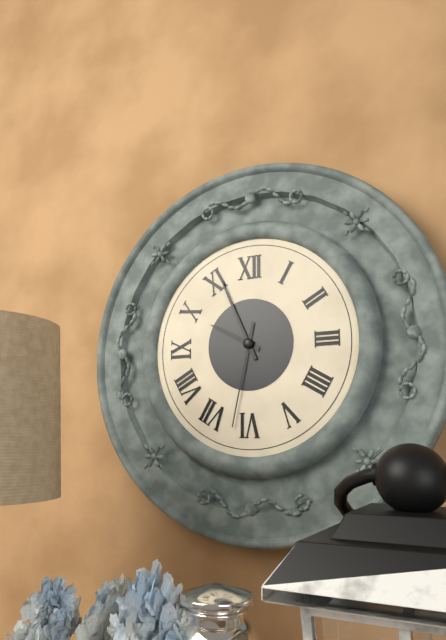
9 h 56 min 32 s
